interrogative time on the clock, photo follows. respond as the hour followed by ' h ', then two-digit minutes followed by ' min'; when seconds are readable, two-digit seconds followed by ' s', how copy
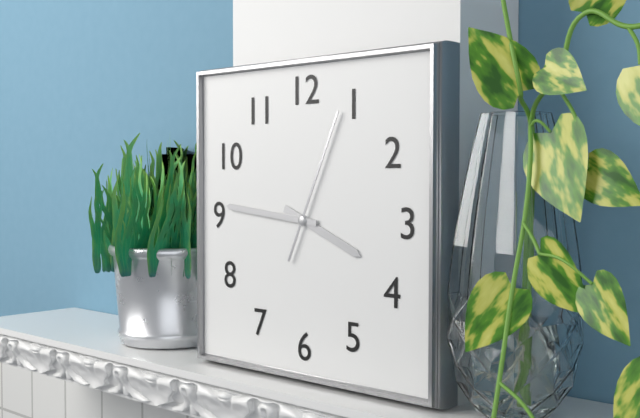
3 h 46 min 04 s
